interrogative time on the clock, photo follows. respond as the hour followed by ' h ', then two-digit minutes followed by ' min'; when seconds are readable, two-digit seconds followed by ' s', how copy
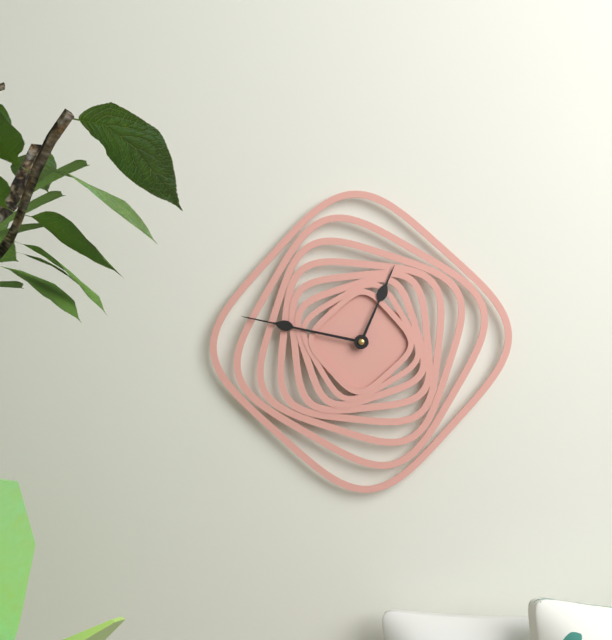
12 h 47 min
